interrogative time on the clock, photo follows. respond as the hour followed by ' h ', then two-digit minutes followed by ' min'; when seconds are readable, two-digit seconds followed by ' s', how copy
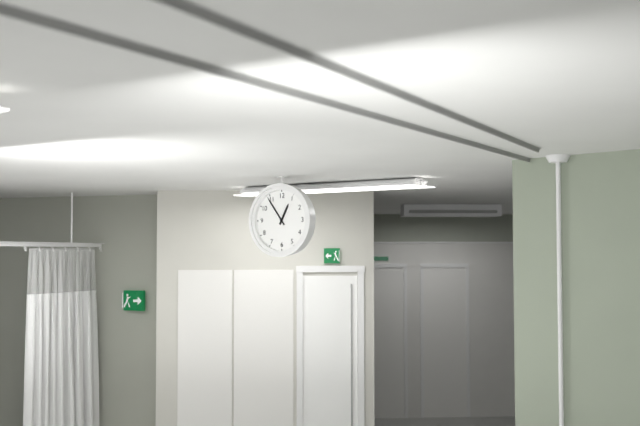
12 h 54 min
